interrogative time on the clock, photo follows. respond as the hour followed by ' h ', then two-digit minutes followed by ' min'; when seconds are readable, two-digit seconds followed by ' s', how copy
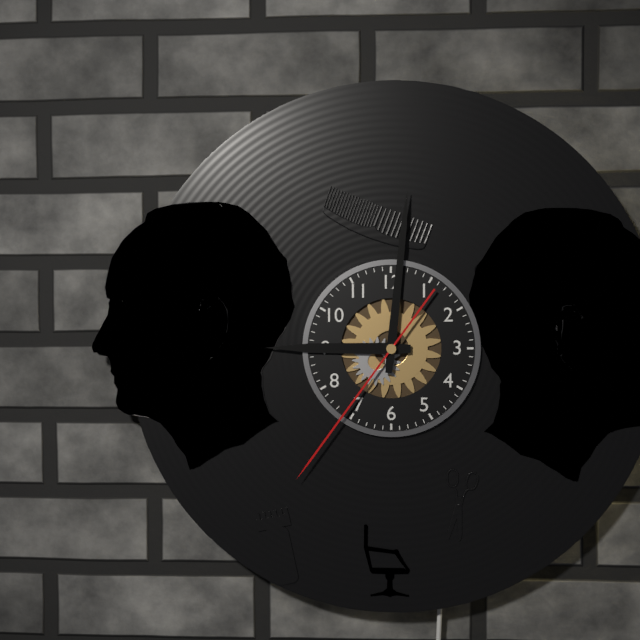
9 h 01 min 36 s
